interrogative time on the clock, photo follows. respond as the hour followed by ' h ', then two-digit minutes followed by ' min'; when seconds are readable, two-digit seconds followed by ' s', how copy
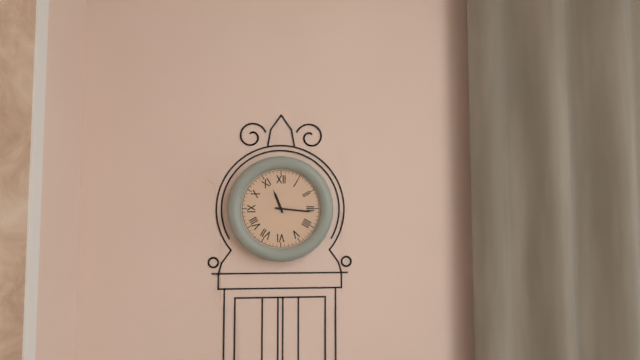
11 h 16 min
